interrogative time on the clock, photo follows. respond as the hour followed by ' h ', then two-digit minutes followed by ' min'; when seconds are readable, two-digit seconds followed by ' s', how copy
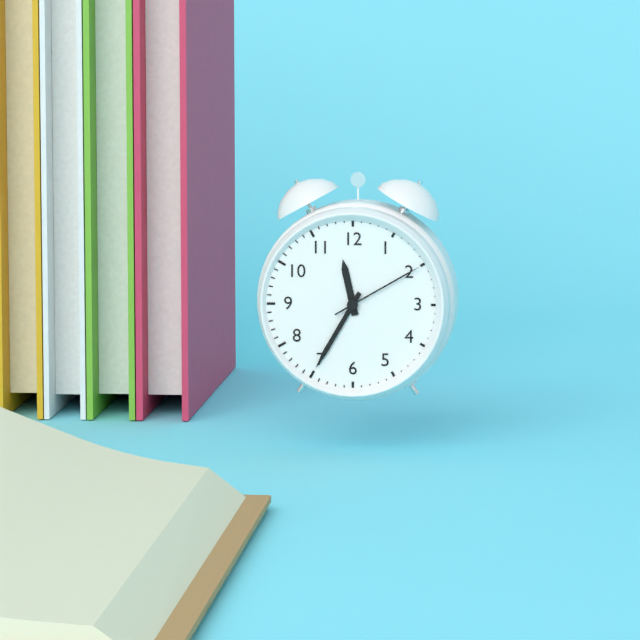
11 h 35 min 10 s
